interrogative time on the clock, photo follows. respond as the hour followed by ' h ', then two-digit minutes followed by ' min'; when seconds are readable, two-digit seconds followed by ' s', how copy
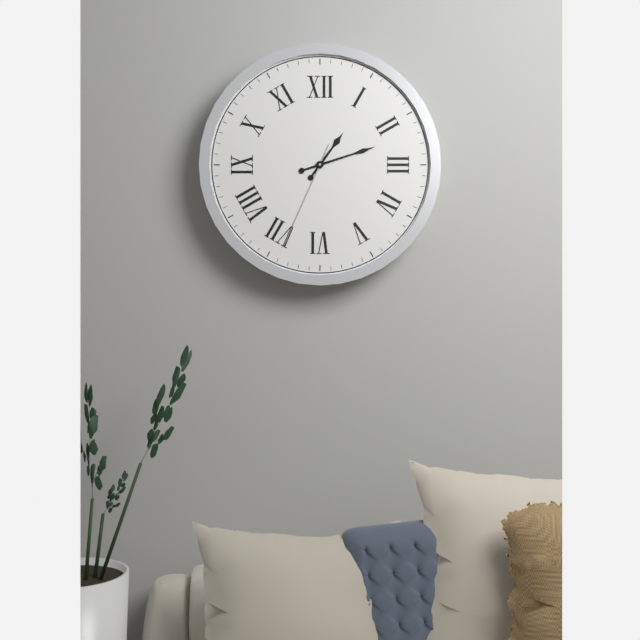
1 h 12 min 34 s
